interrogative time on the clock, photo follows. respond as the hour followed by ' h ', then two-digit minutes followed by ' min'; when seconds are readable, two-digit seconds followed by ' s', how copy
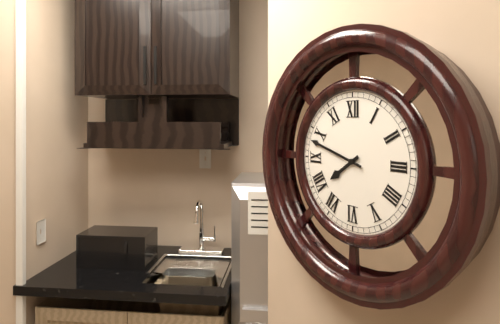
7 h 48 min
